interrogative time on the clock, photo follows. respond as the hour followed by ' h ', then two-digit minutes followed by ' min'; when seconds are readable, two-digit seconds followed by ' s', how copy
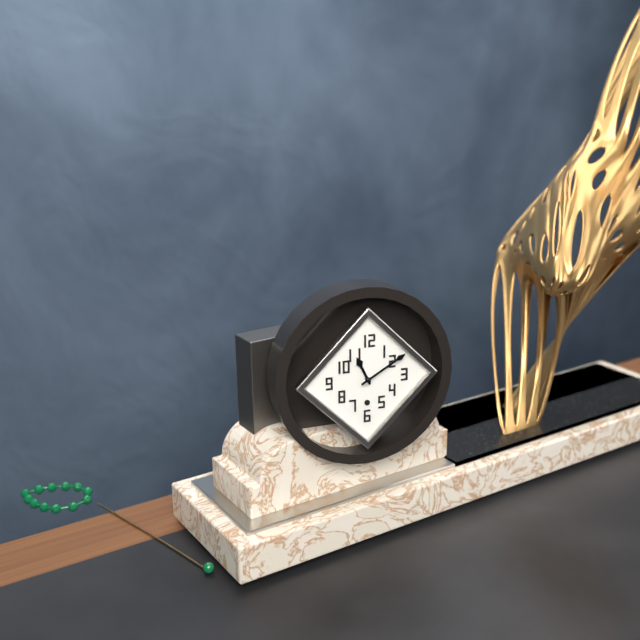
11 h 10 min
